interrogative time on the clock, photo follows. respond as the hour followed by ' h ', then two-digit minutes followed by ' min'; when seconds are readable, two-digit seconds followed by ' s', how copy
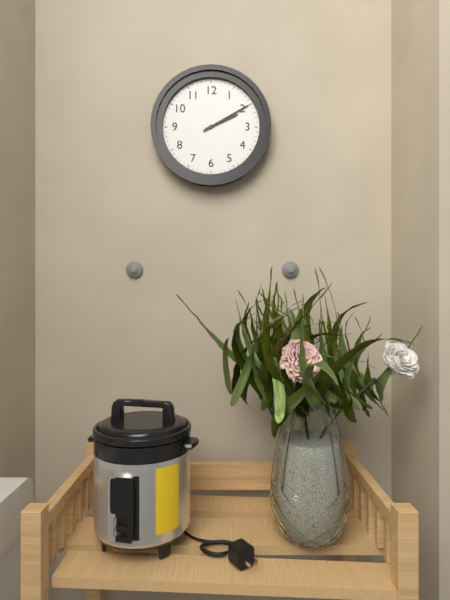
2 h 10 min
